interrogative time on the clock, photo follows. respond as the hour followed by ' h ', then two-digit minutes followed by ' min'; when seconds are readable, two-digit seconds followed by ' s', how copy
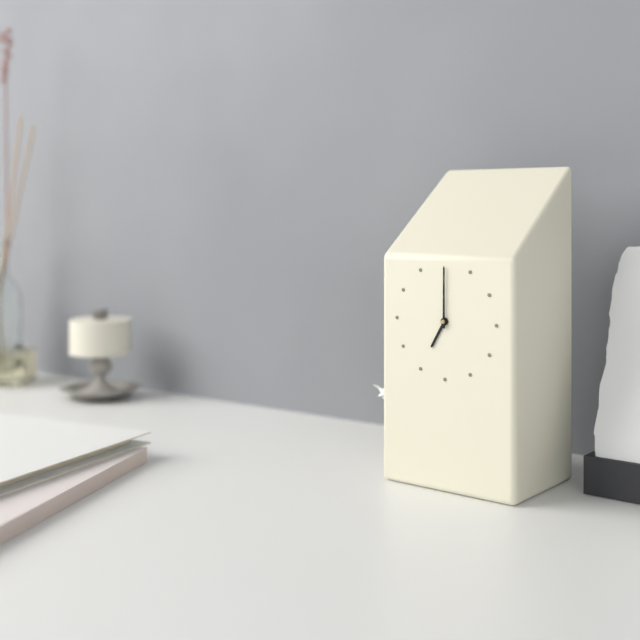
7 h 00 min
